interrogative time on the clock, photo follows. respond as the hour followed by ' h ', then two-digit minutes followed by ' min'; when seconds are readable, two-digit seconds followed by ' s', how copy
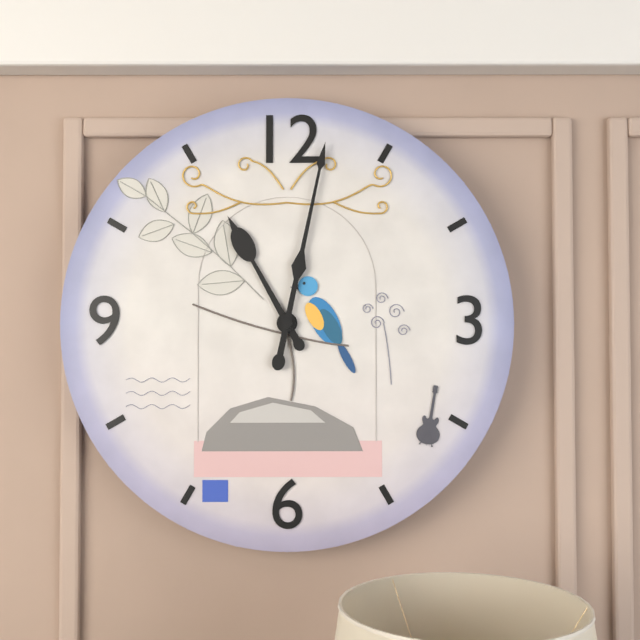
11 h 02 min
